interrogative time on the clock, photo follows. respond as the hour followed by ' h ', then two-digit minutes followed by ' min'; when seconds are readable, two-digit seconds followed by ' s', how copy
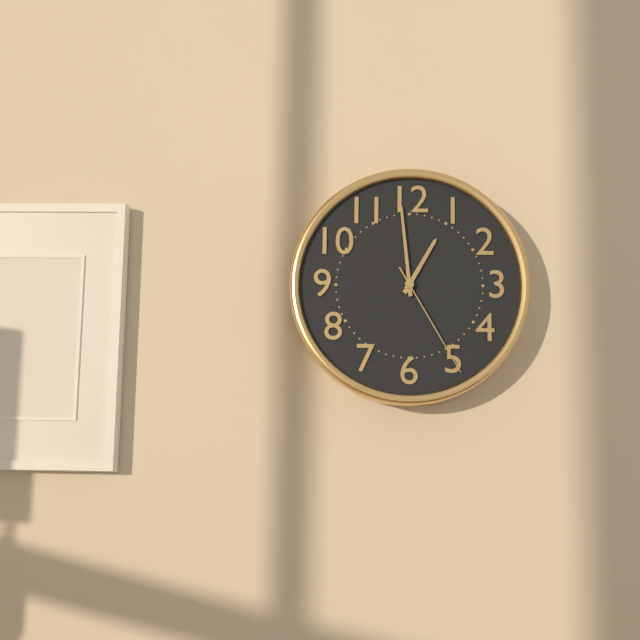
12 h 59 min 25 s
